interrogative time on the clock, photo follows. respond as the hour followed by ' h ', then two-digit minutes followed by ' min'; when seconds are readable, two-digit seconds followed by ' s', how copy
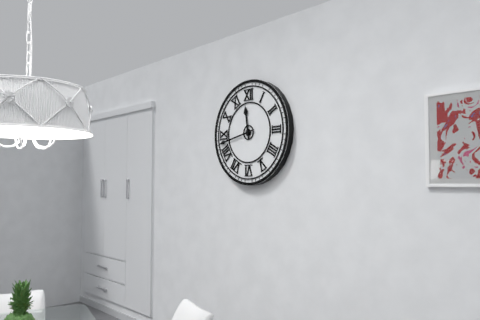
11 h 43 min
